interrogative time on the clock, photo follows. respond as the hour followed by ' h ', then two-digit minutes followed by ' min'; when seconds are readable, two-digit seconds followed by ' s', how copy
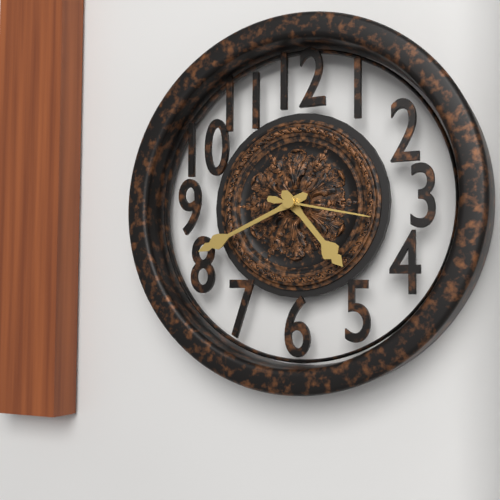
4 h 41 min 17 s
